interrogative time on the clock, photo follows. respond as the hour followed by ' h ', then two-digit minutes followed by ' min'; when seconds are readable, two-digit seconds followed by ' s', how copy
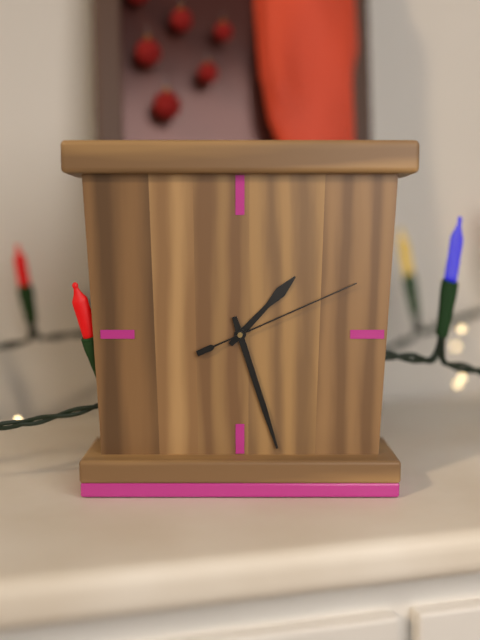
1 h 27 min 11 s
